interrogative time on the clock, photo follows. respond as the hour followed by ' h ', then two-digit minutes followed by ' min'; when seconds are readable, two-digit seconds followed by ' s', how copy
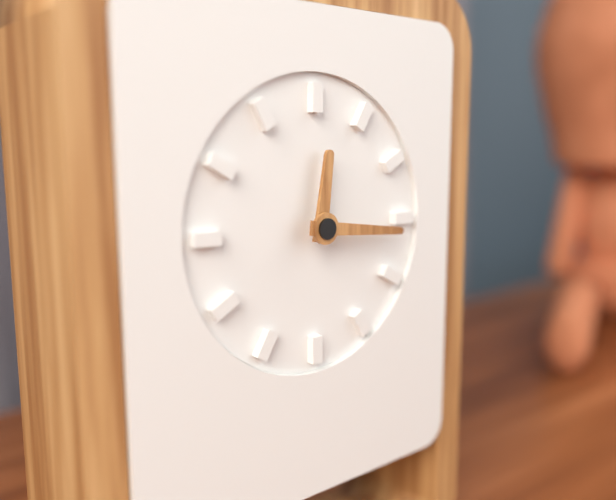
12 h 16 min
